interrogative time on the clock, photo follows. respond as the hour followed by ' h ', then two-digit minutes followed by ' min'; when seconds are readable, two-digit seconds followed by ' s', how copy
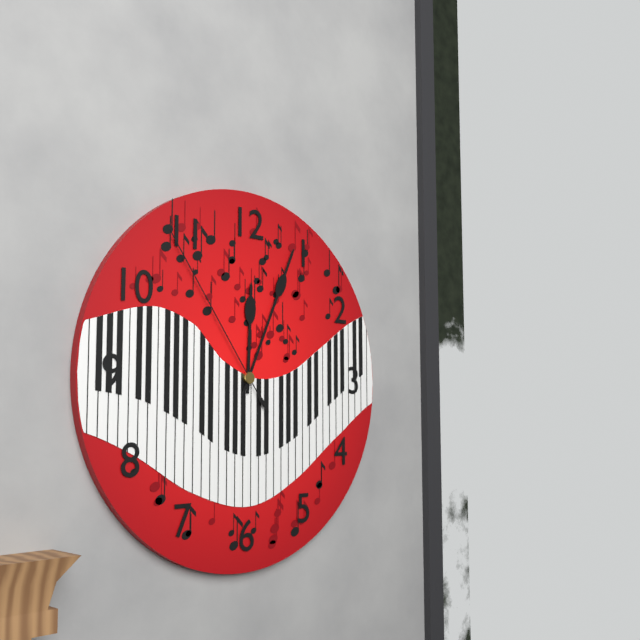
12 h 04 min 54 s
